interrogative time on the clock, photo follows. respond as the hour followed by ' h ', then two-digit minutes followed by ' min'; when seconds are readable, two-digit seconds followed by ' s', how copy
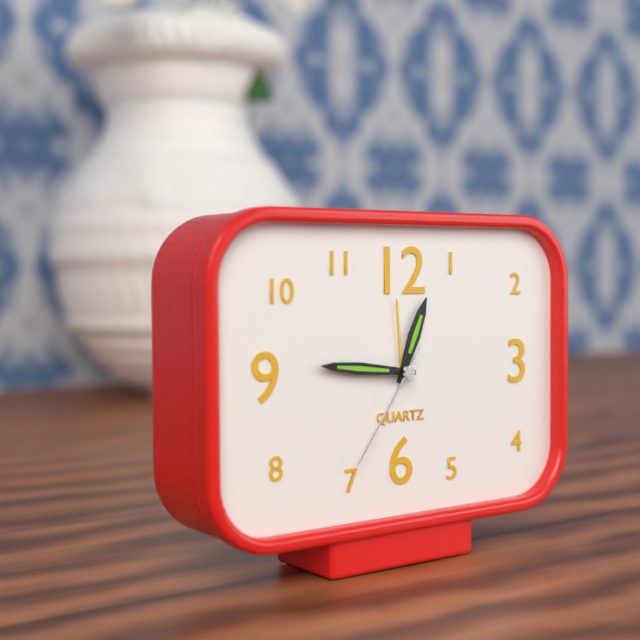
12 h 46 min 36 s
